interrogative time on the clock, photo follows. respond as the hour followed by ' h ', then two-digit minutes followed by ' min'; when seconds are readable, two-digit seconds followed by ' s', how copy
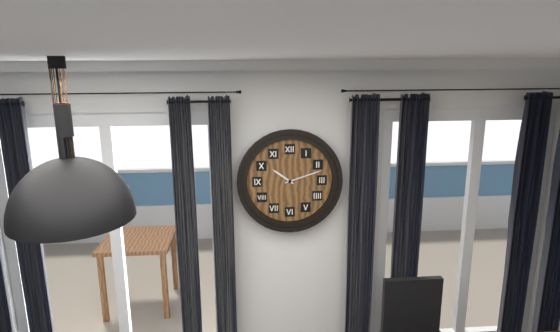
10 h 12 min
